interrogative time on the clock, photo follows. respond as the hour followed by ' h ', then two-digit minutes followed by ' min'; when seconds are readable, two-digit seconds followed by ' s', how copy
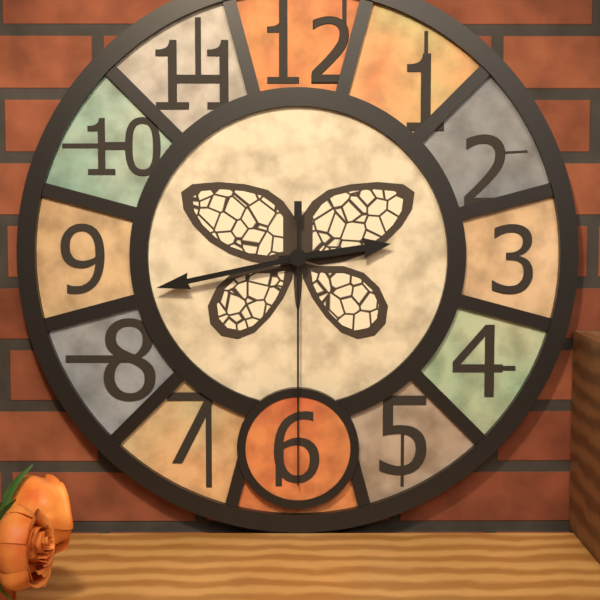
2 h 43 min 30 s
